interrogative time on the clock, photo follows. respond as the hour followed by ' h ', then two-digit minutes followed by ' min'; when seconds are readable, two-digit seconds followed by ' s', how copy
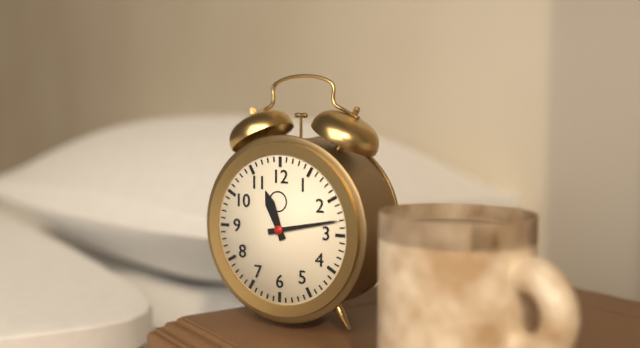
11 h 13 min
